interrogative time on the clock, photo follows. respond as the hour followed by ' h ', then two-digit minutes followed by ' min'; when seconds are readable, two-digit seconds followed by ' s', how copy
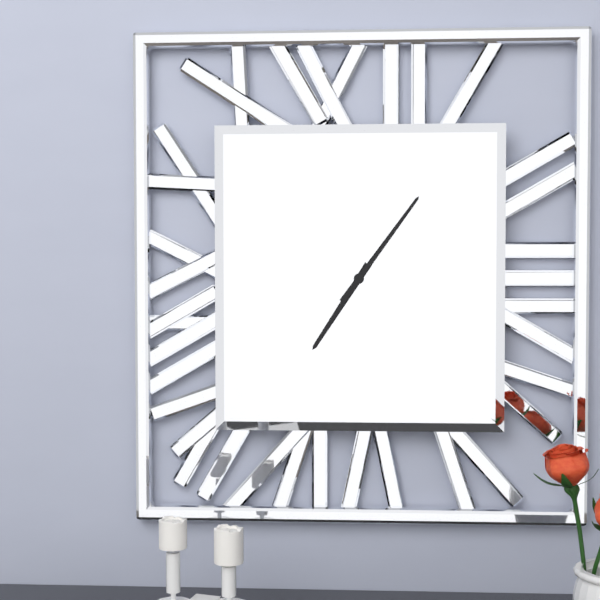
7 h 06 min
